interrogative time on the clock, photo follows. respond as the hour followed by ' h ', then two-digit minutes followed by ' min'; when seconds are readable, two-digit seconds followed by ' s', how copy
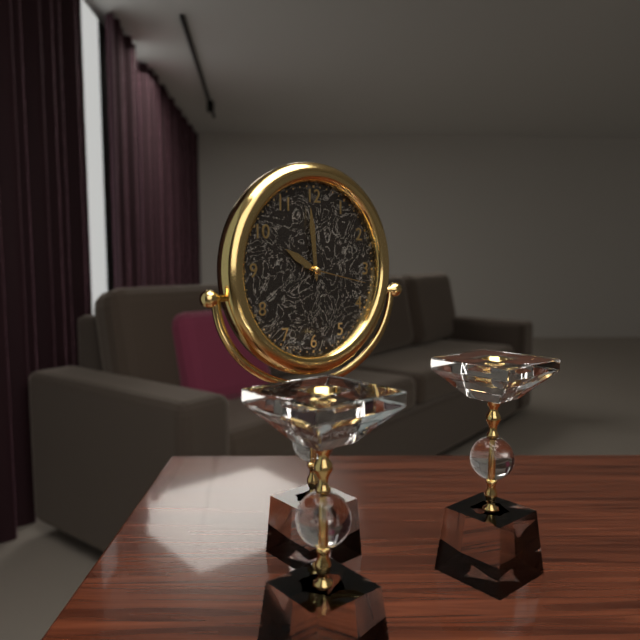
9 h 59 min 17 s
